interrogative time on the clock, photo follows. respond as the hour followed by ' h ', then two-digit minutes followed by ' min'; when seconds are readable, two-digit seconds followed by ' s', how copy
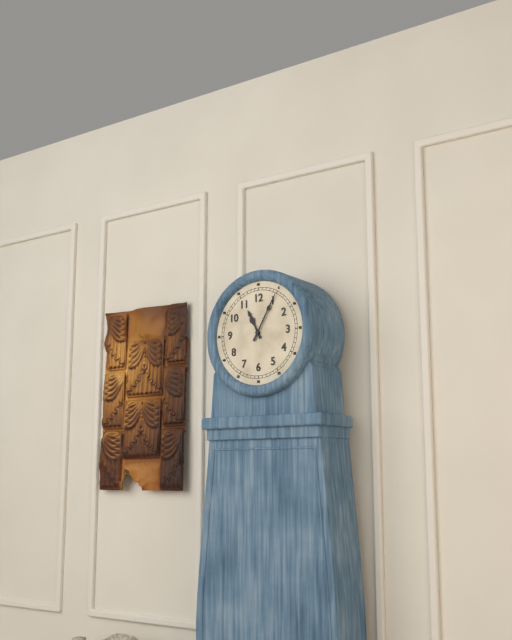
11 h 05 min
